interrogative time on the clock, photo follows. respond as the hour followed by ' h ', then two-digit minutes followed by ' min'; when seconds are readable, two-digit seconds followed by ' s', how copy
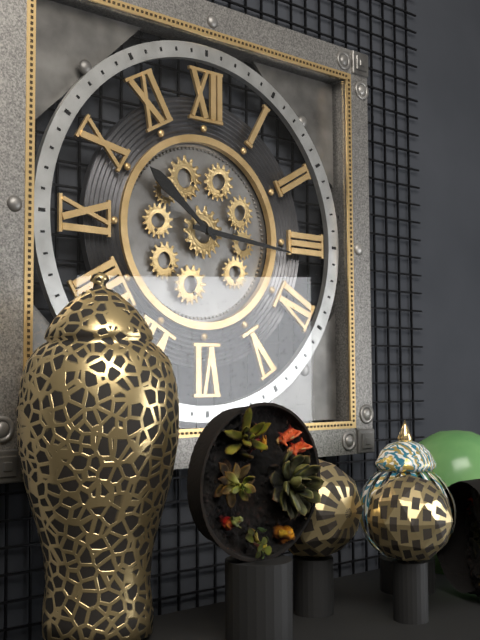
10 h 16 min
